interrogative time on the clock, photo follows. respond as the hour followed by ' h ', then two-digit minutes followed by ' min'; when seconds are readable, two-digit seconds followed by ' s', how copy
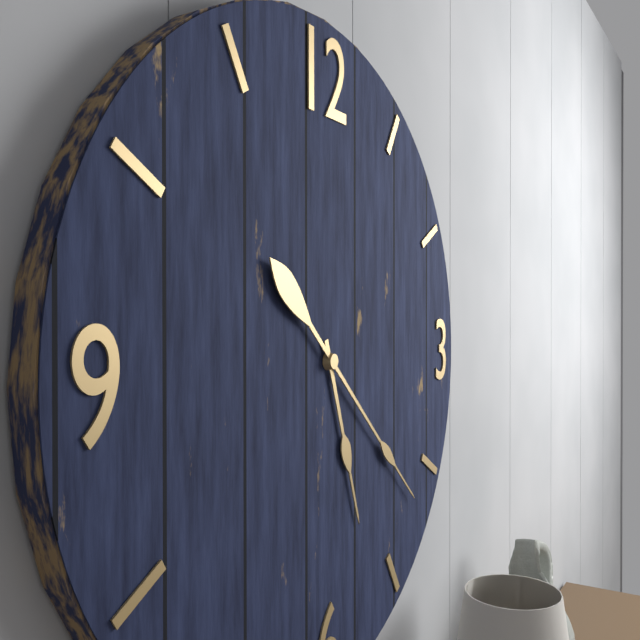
5 h 22 min
